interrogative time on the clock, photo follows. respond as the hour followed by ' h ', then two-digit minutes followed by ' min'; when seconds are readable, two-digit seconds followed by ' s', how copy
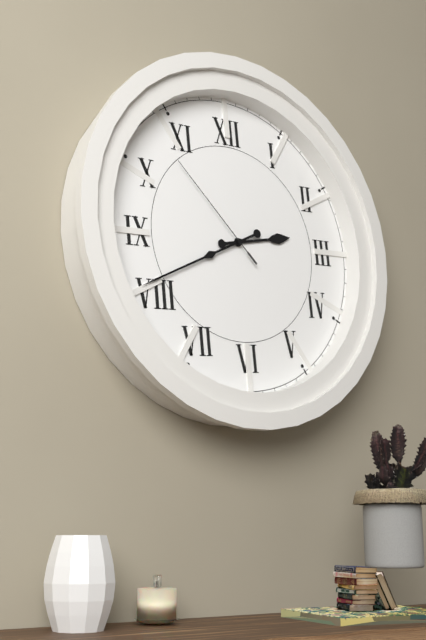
2 h 41 min 53 s
